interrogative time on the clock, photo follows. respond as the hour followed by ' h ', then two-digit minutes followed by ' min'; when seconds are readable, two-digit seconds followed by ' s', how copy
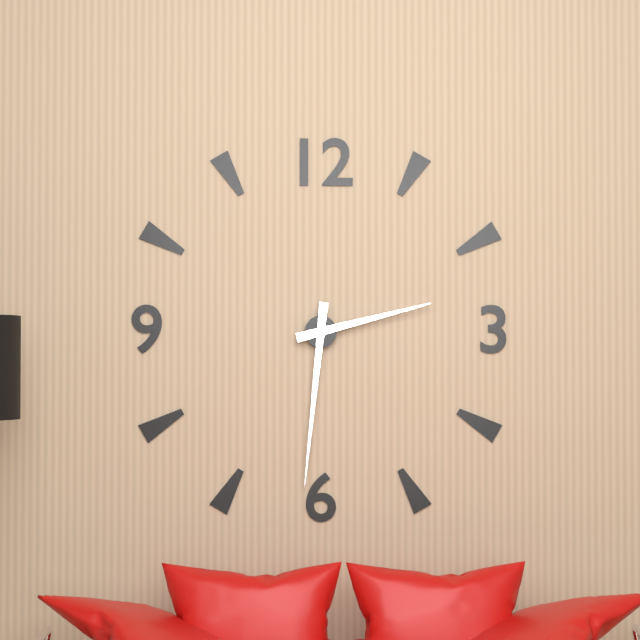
2 h 31 min
